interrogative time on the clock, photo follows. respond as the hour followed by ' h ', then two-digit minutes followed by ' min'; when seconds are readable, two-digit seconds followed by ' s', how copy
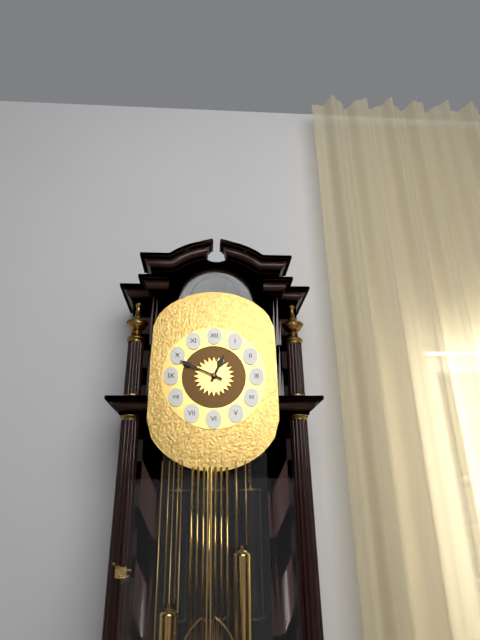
12 h 49 min
